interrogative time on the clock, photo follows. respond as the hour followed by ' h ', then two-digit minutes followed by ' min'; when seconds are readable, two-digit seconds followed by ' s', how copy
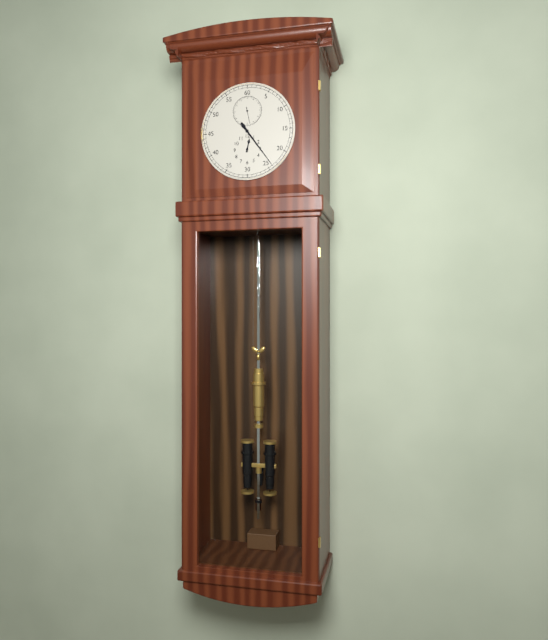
12 h 24 min
